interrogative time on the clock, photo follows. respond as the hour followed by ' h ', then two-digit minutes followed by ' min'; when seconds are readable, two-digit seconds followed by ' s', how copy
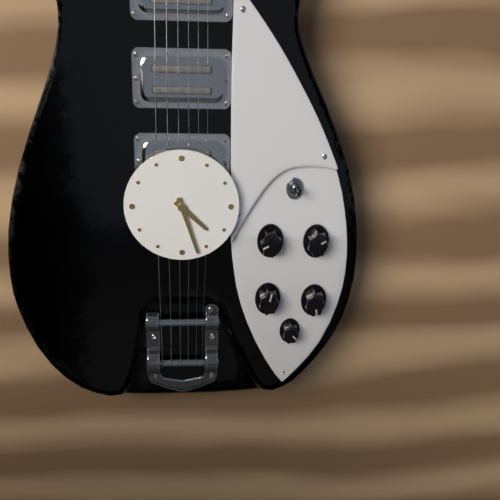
4 h 27 min
